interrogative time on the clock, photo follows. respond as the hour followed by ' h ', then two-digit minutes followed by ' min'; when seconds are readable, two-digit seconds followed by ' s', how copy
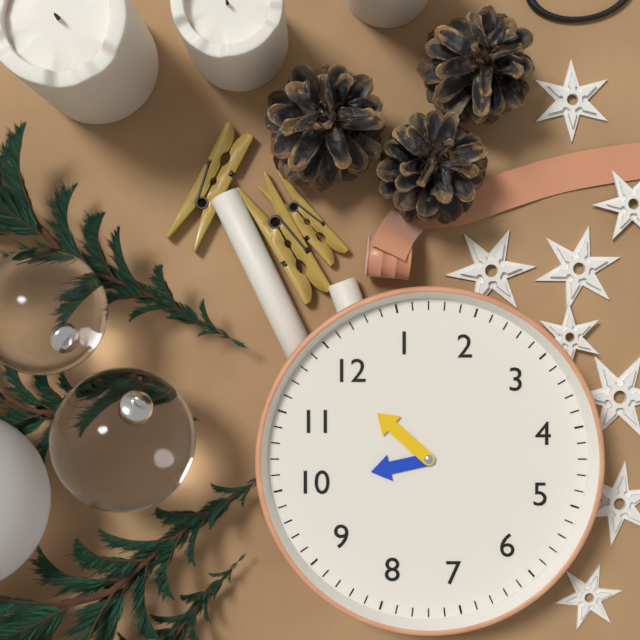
9 h 59 min
